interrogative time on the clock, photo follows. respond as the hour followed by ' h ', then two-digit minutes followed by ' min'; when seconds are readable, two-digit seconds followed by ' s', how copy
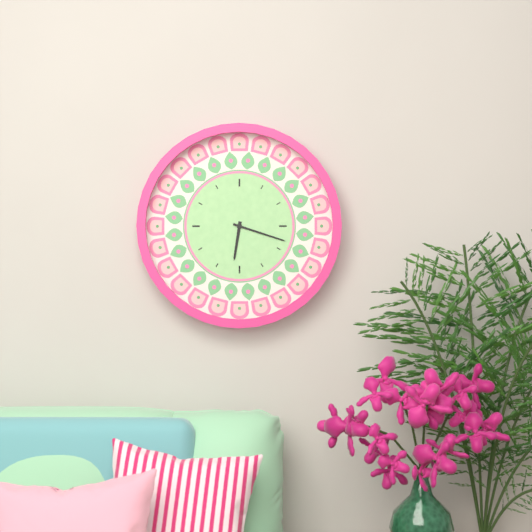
6 h 18 min
